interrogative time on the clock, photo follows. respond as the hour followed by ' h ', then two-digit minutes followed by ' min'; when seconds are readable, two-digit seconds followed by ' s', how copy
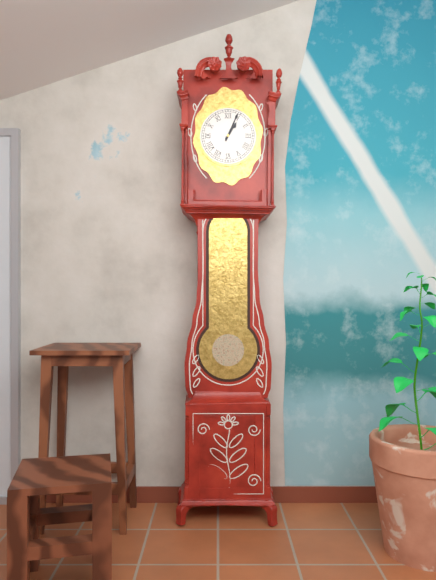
1 h 04 min
